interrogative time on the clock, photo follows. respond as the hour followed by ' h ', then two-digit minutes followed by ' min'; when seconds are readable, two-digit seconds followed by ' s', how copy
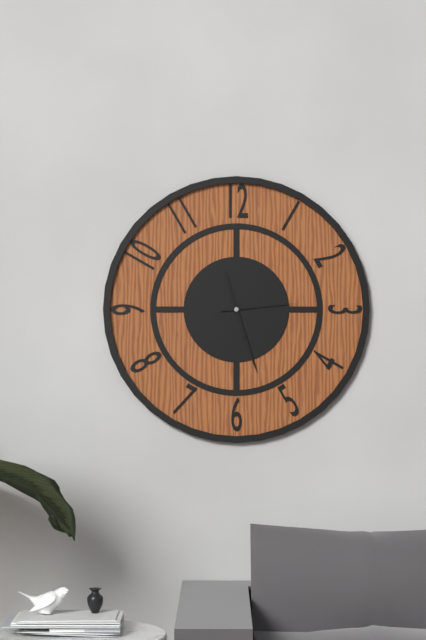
11 h 27 min 14 s
